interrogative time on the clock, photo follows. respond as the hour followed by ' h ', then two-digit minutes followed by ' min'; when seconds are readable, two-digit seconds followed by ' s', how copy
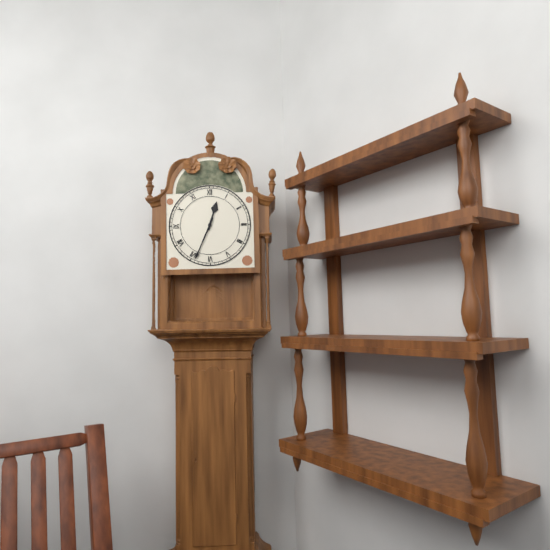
12 h 34 min
